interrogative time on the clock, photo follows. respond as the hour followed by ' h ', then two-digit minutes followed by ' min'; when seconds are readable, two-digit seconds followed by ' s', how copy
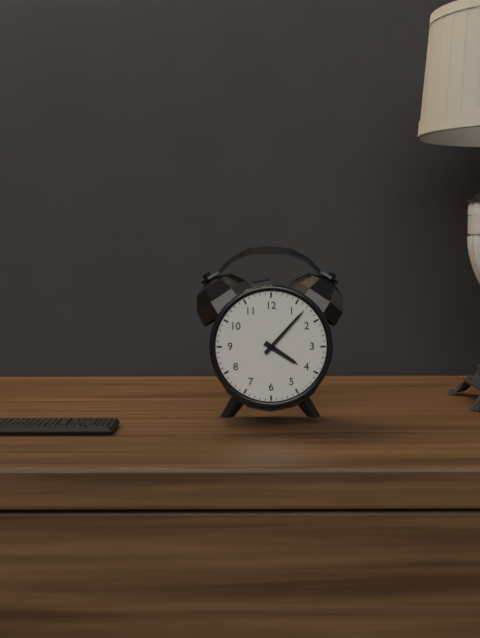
4 h 07 min
